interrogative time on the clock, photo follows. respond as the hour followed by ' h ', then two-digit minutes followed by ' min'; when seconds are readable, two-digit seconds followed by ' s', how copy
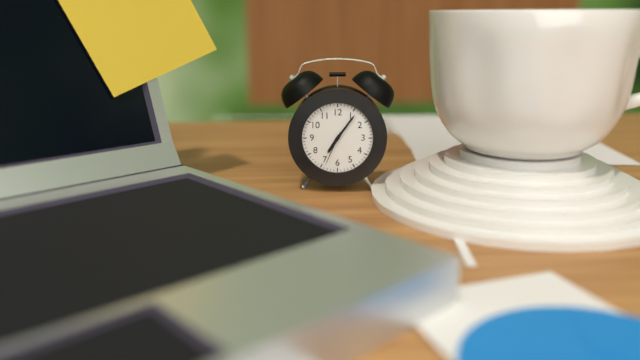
7 h 06 min
